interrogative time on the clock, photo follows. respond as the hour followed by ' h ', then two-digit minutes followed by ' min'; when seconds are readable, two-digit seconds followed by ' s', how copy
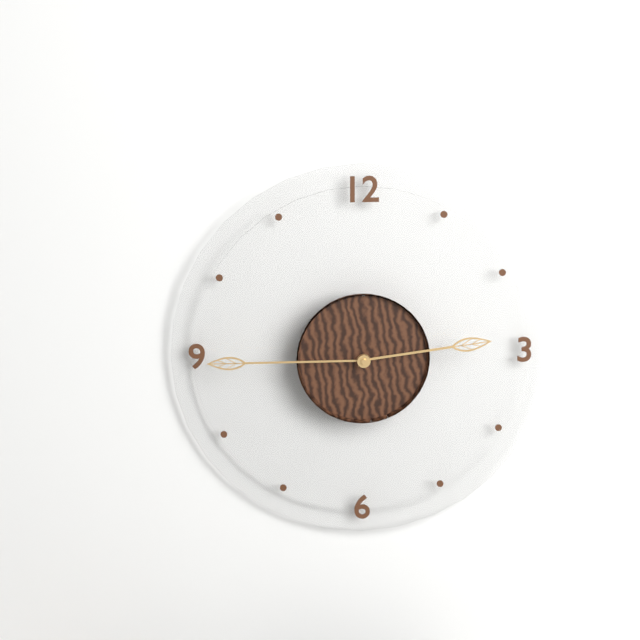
2 h 45 min
